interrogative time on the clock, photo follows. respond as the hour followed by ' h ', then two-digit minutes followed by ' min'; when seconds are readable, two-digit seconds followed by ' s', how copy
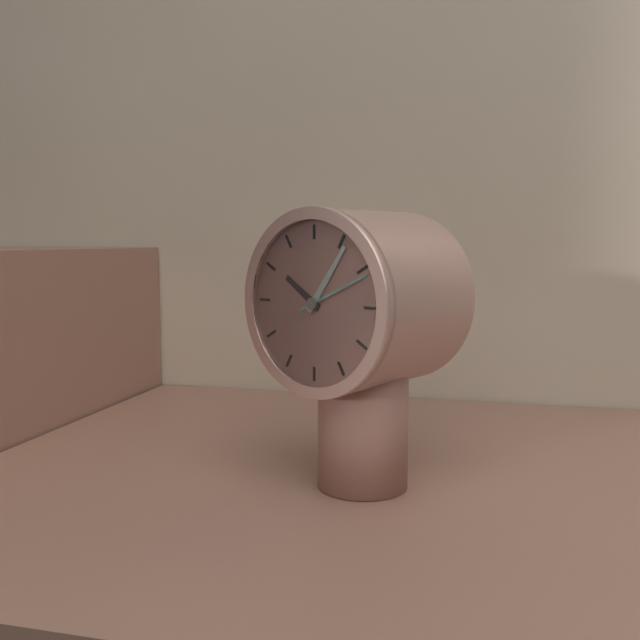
10 h 06 min 11 s
